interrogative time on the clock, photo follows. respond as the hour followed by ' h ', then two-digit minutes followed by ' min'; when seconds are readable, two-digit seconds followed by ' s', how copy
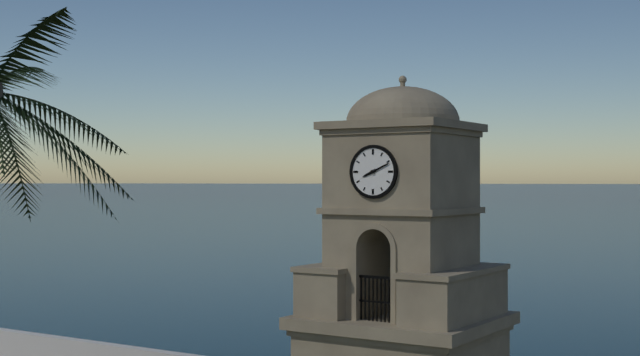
8 h 11 min
